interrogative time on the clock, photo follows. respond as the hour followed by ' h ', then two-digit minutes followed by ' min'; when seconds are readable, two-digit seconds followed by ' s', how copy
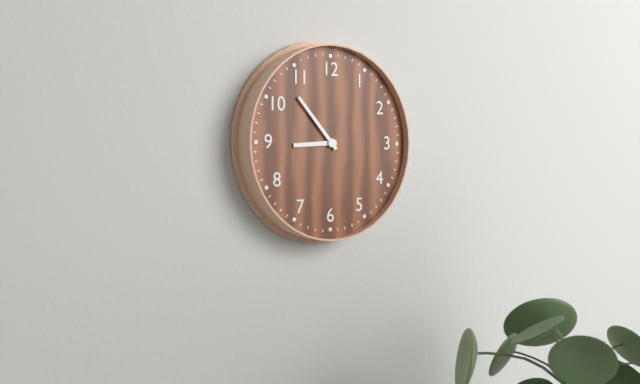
8 h 53 min
